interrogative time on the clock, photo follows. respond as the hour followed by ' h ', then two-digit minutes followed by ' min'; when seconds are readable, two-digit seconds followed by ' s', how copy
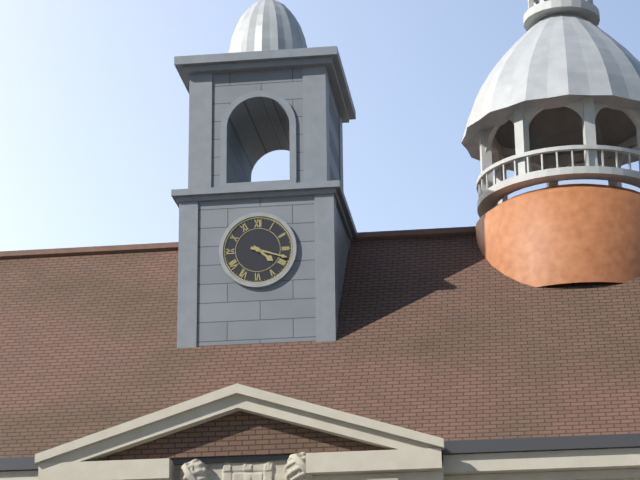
4 h 18 min
